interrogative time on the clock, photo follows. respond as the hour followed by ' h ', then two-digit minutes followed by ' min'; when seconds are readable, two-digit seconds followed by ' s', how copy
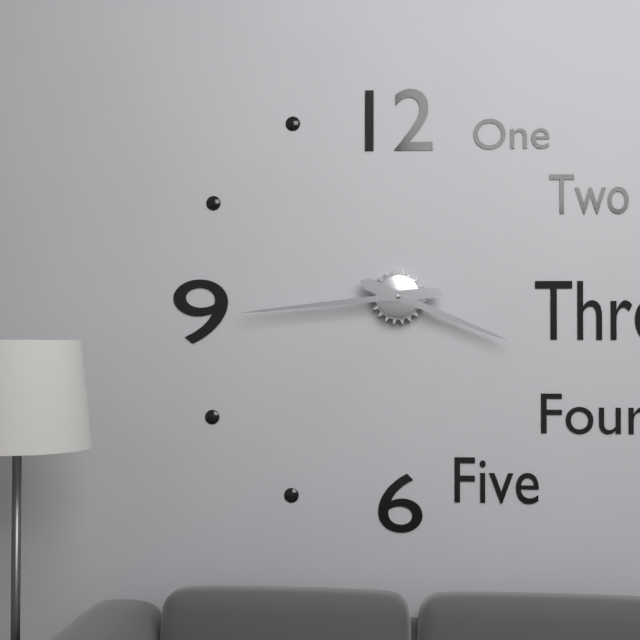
3 h 44 min
